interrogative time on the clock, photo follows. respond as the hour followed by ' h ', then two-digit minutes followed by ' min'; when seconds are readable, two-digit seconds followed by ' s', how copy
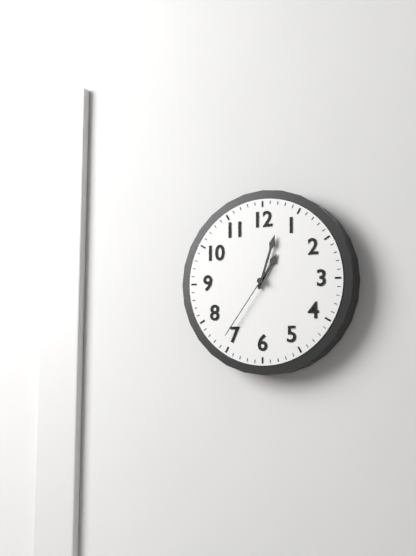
1 h 03 min 36 s
